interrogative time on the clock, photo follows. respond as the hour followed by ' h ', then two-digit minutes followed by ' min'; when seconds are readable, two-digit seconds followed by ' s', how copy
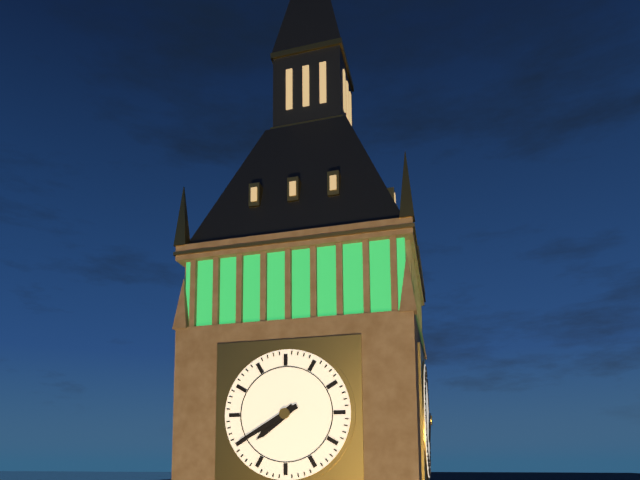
7 h 40 min
